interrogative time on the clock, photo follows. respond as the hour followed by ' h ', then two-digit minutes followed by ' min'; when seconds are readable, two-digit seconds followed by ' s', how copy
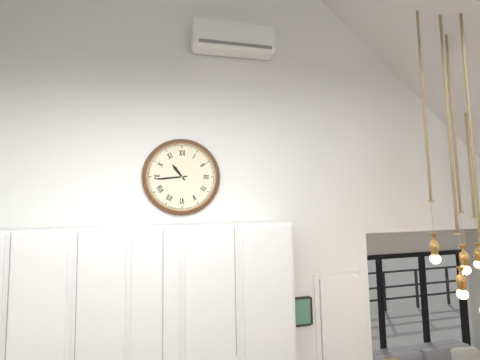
10 h 44 min
